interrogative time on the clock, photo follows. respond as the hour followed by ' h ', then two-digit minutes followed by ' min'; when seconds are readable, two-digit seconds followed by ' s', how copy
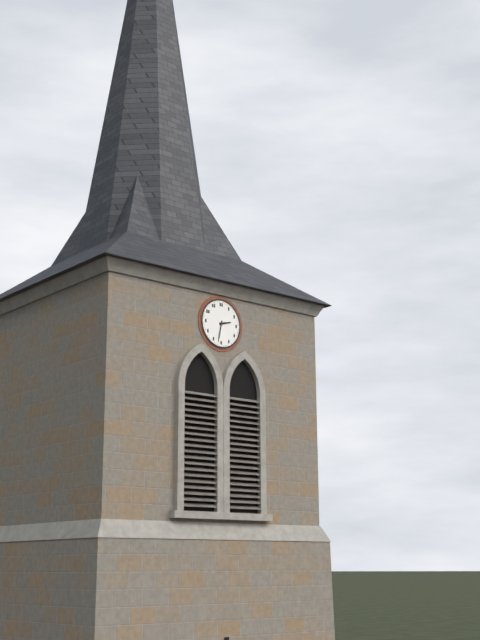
2 h 32 min
